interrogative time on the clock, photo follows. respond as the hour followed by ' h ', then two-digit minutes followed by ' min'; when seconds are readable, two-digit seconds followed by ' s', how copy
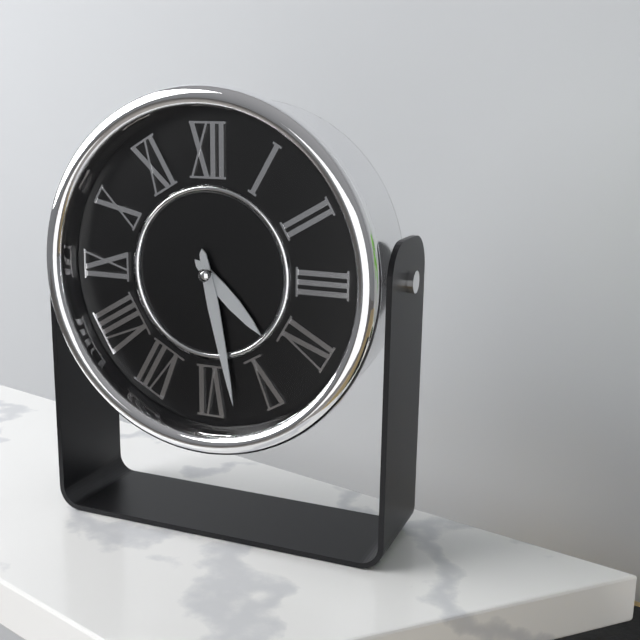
4 h 28 min
